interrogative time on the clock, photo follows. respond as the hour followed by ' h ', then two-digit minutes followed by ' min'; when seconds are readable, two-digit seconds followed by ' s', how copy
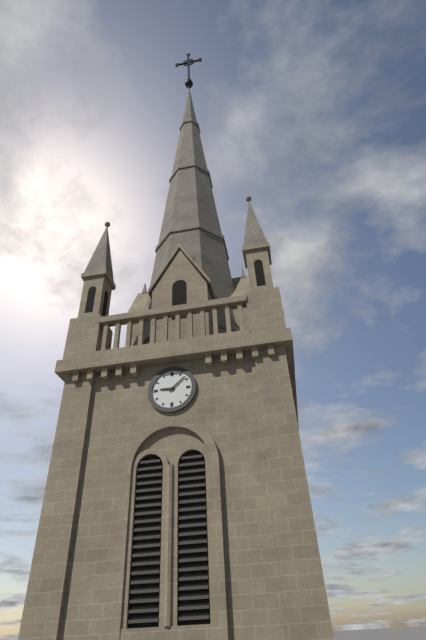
9 h 08 min
